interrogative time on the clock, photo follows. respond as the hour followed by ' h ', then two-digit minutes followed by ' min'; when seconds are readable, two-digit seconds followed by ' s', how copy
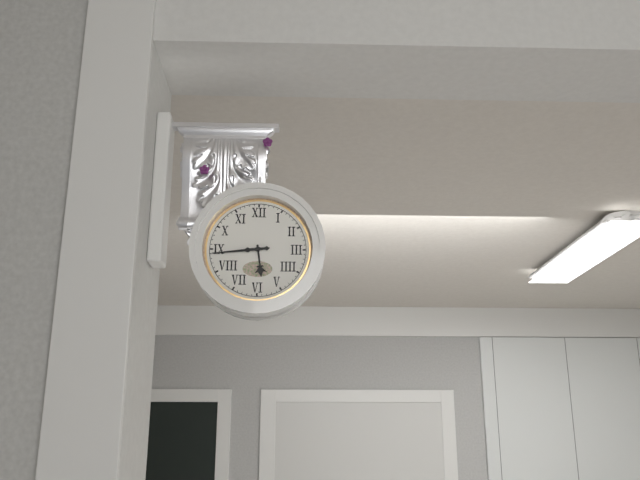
5 h 44 min
